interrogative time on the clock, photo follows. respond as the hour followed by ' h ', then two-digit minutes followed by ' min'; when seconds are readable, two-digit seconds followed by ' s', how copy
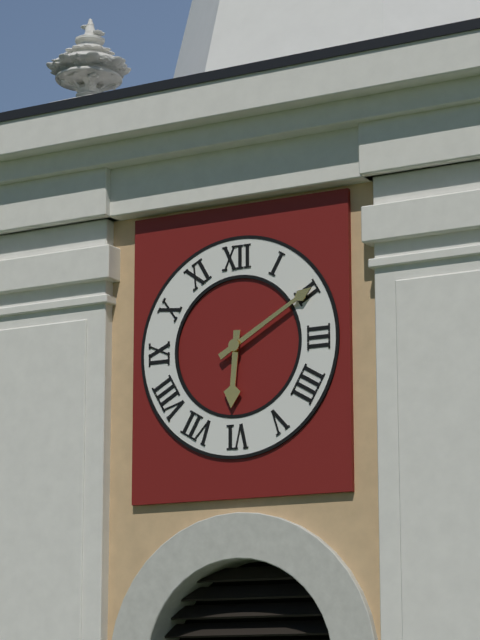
6 h 10 min
